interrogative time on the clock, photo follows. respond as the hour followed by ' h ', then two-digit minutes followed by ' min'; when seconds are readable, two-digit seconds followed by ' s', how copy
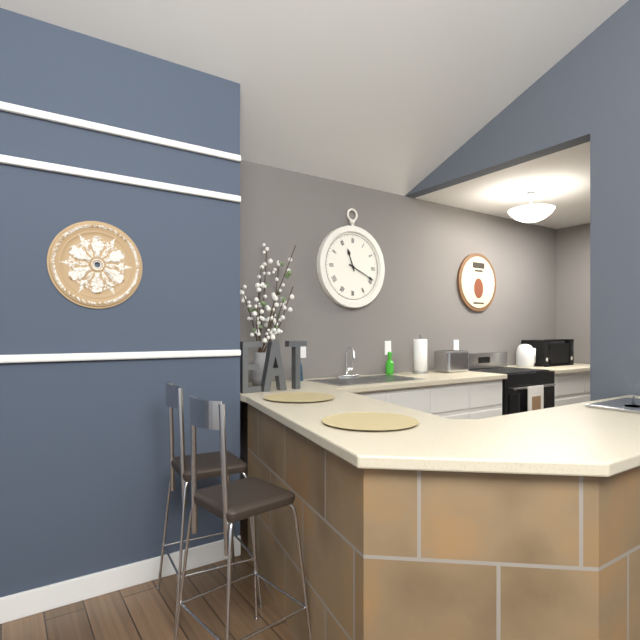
11 h 19 min
